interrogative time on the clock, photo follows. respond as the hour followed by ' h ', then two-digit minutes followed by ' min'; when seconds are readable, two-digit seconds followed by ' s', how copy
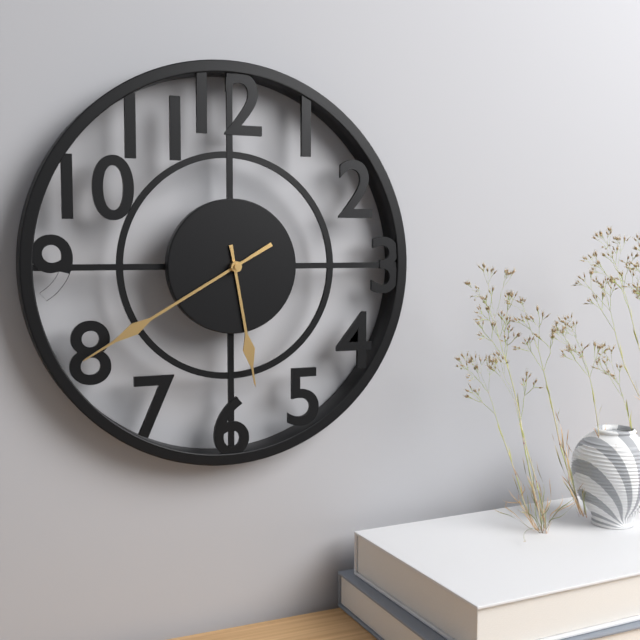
5 h 40 min
